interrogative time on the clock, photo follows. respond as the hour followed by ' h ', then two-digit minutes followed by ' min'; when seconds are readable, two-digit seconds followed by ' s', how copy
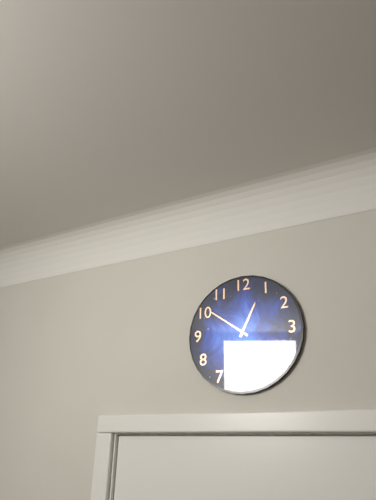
12 h 51 min
